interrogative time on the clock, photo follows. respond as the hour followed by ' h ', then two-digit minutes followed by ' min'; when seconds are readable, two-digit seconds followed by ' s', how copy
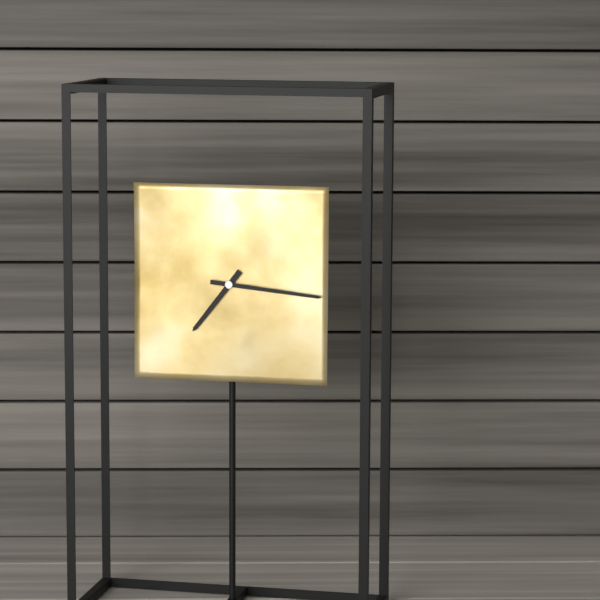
7 h 16 min
